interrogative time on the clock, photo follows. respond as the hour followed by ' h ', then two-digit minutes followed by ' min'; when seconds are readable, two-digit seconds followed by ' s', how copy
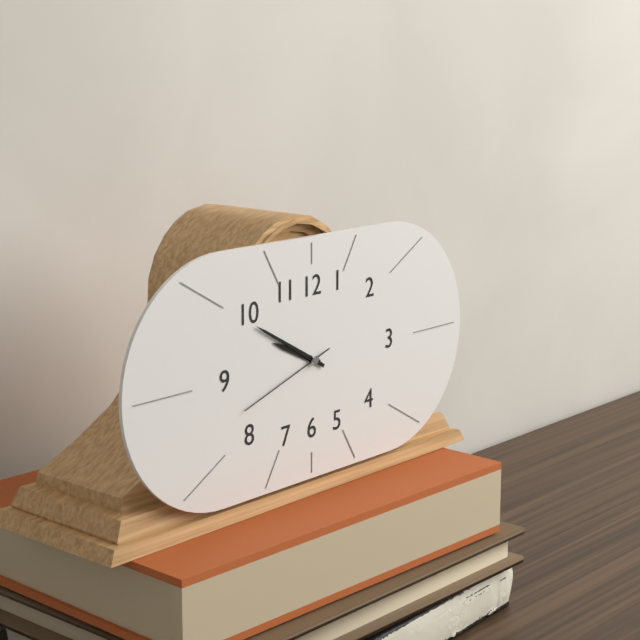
9 h 50 min 42 s
